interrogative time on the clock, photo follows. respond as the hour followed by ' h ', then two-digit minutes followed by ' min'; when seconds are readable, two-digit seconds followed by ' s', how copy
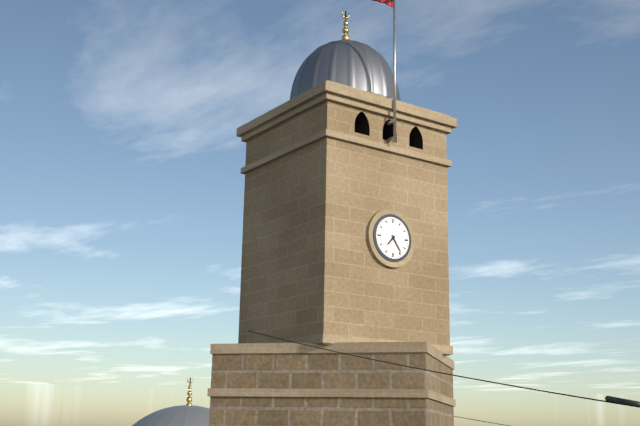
7 h 24 min
